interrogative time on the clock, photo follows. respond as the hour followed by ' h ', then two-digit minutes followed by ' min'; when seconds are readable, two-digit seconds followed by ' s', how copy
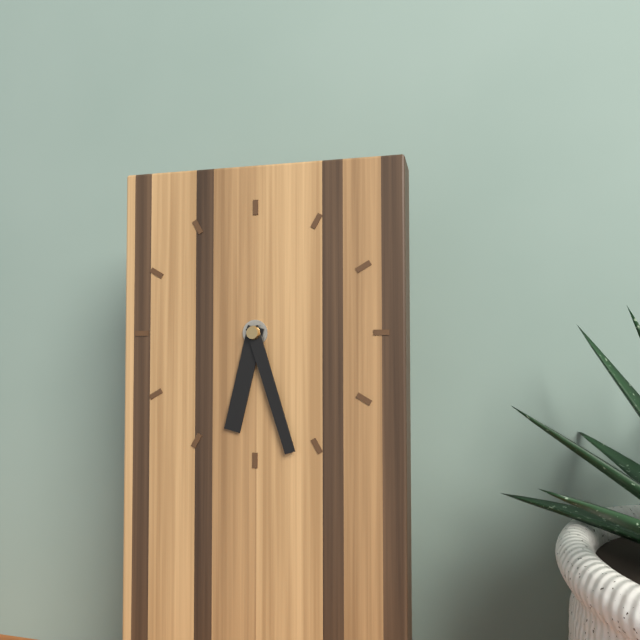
6 h 27 min
